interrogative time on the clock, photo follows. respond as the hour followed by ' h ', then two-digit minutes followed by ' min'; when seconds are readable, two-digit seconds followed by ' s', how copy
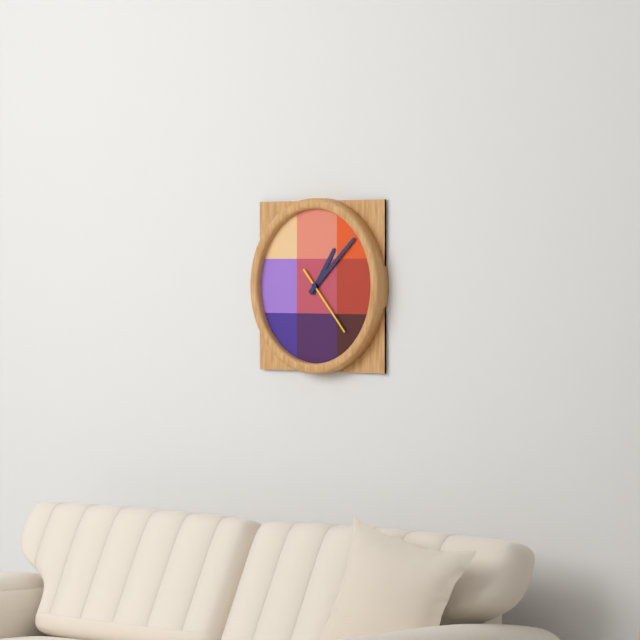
1 h 08 min 23 s
